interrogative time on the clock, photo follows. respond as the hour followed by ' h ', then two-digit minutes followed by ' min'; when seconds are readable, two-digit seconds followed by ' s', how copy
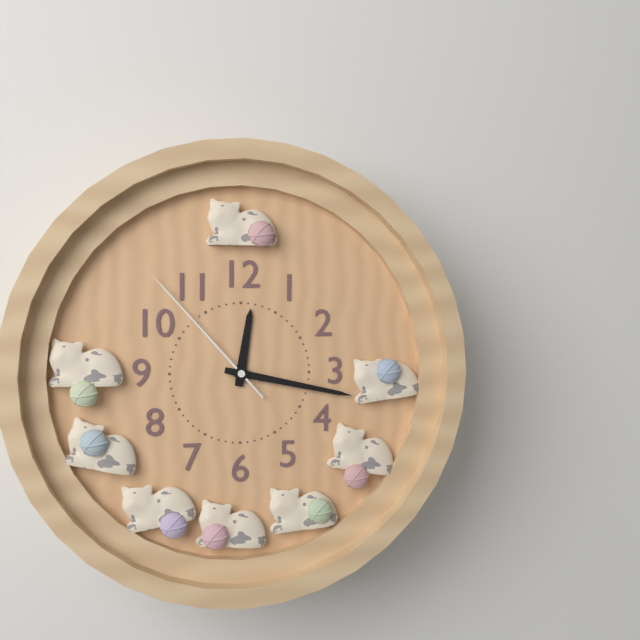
12 h 17 min 53 s
